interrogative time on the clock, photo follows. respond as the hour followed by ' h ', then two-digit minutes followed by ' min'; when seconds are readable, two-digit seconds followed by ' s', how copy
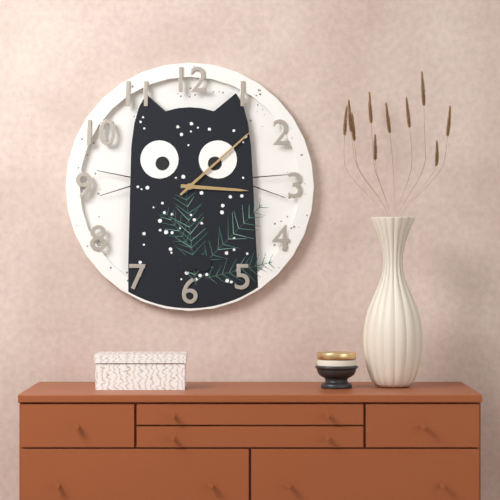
3 h 08 min
